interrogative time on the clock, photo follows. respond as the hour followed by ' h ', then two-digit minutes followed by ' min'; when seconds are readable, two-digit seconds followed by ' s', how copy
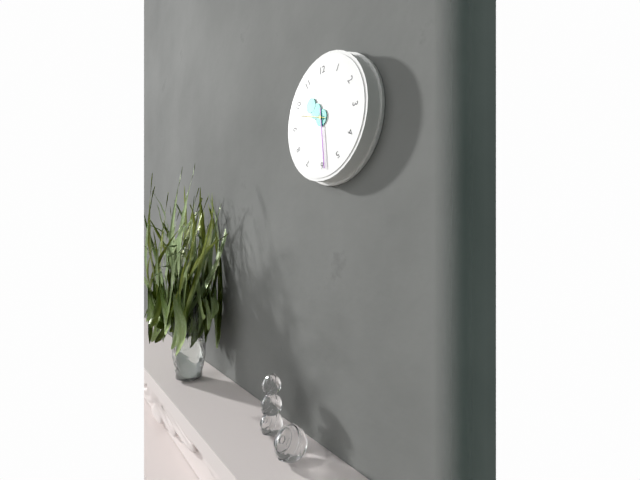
10 h 29 min 48 s
